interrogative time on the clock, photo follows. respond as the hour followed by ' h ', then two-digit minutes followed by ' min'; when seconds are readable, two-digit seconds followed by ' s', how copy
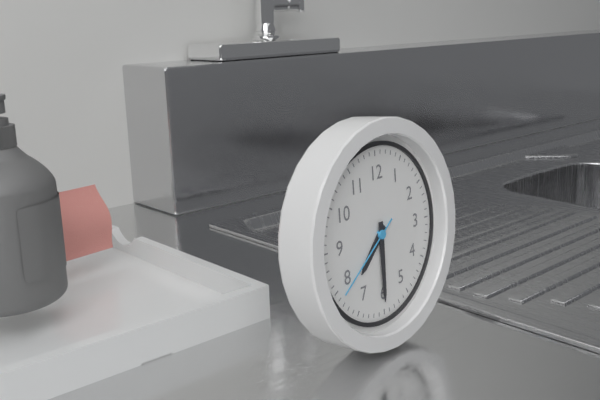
7 h 30 min 39 s
